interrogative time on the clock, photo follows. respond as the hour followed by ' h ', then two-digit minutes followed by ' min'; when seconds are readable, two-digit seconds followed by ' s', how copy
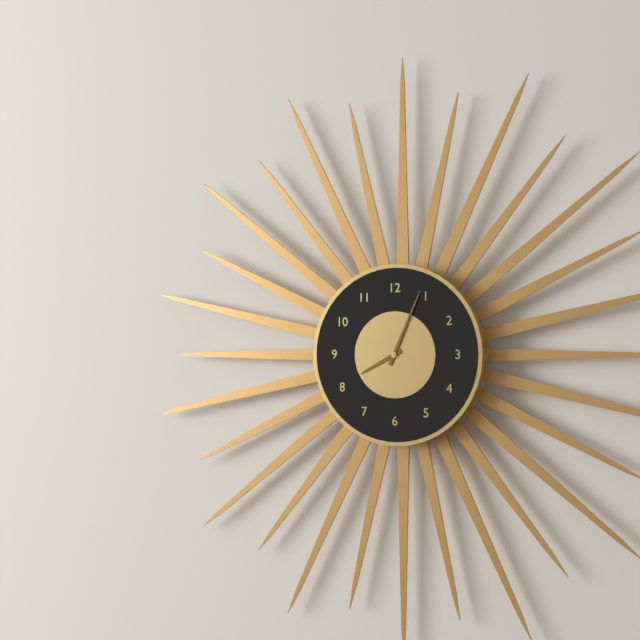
8 h 04 min
